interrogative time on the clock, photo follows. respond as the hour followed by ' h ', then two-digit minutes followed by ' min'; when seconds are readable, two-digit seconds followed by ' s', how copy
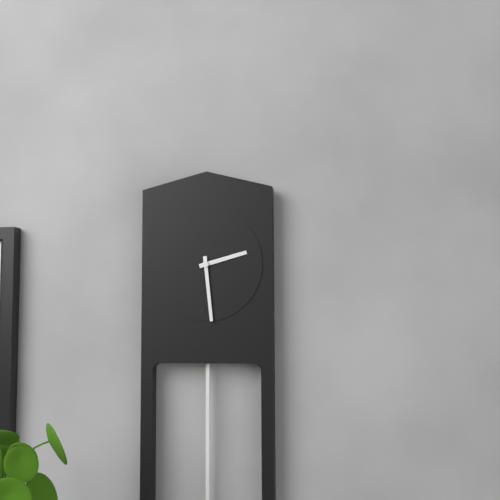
2 h 29 min
